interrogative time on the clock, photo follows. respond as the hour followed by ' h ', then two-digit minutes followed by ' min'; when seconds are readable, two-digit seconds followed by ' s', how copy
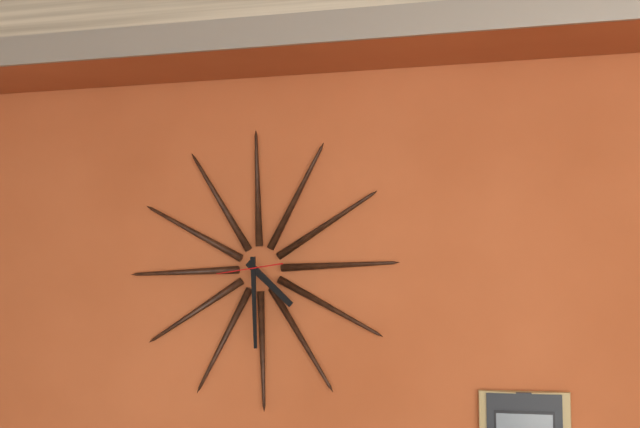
4 h 30 min
